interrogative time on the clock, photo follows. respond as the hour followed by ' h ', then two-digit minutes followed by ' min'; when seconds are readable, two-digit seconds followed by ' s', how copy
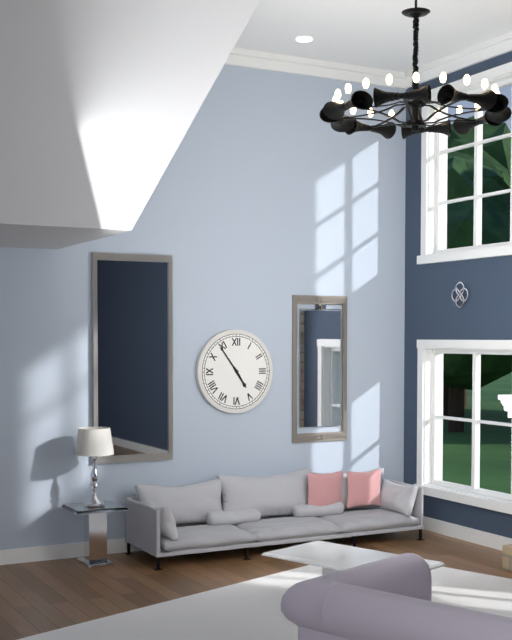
4 h 54 min
